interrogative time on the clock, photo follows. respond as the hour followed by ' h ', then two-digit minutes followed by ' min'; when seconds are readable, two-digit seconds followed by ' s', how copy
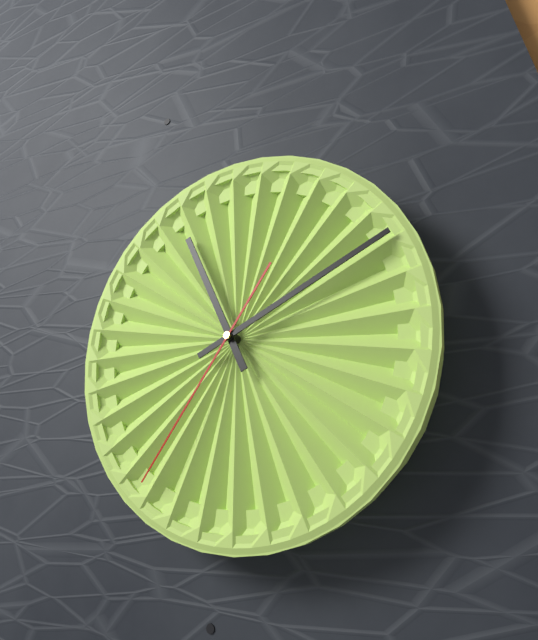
11 h 11 min 36 s
